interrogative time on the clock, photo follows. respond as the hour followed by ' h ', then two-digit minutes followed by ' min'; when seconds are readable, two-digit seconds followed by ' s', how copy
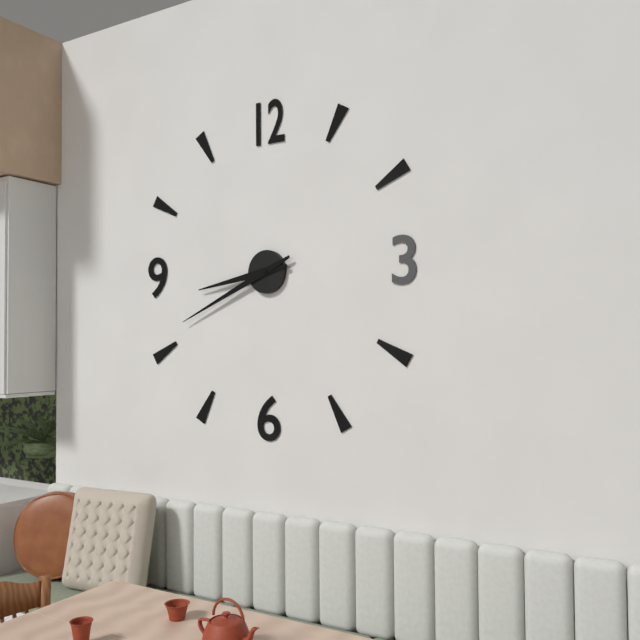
8 h 41 min
